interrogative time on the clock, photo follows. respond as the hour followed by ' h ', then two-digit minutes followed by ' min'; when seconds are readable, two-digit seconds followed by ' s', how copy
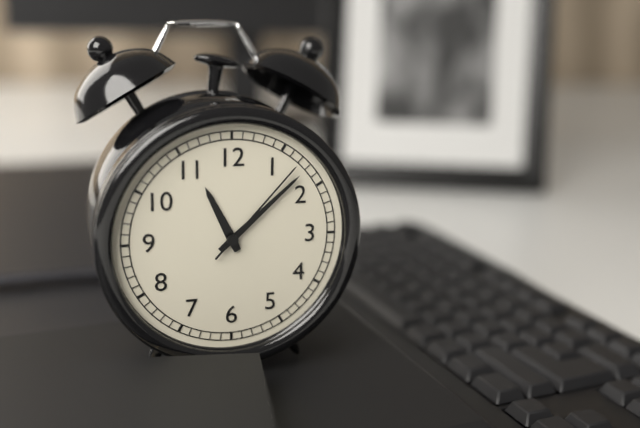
11 h 08 min 07 s
